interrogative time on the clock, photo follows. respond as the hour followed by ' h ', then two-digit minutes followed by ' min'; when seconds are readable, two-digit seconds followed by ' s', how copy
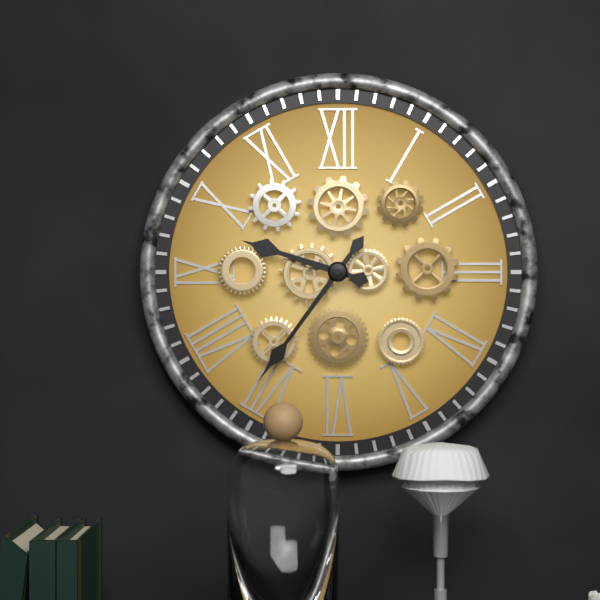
9 h 36 min
